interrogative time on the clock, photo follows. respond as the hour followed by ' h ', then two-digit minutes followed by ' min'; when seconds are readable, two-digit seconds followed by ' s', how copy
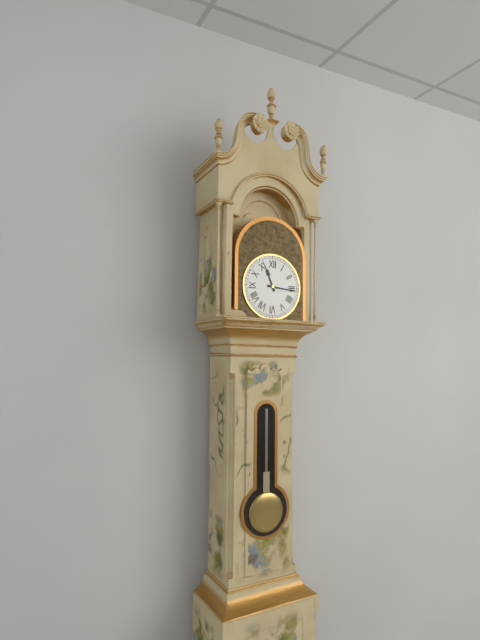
11 h 16 min
